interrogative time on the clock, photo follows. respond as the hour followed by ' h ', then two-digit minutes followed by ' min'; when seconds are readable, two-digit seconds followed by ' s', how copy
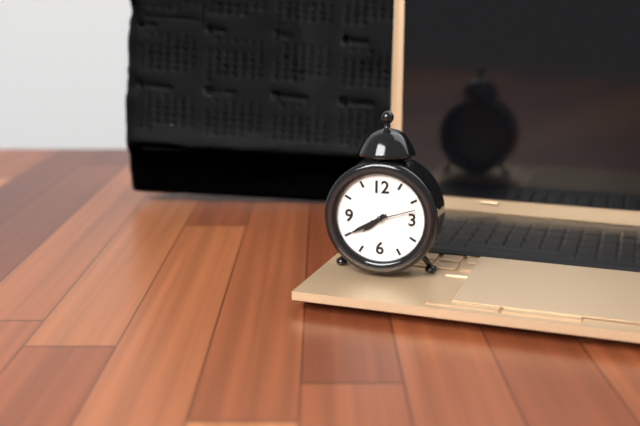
7 h 40 min
